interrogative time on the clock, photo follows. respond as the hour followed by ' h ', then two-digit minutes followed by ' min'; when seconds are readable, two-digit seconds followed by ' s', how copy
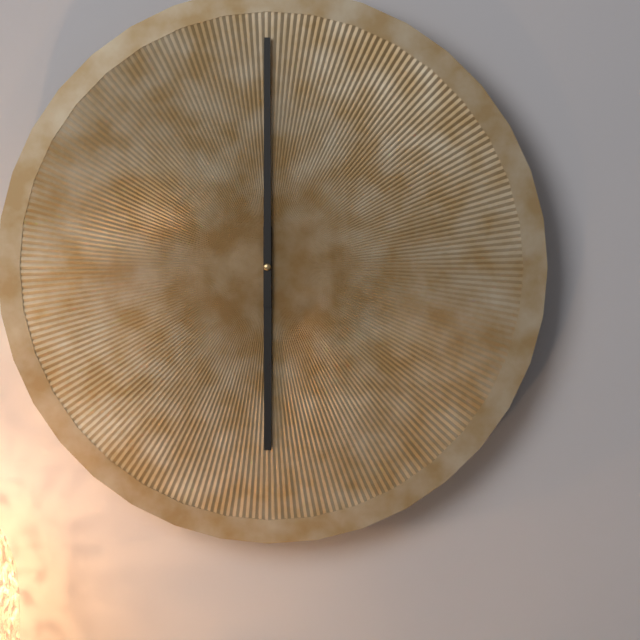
6 h 00 min
